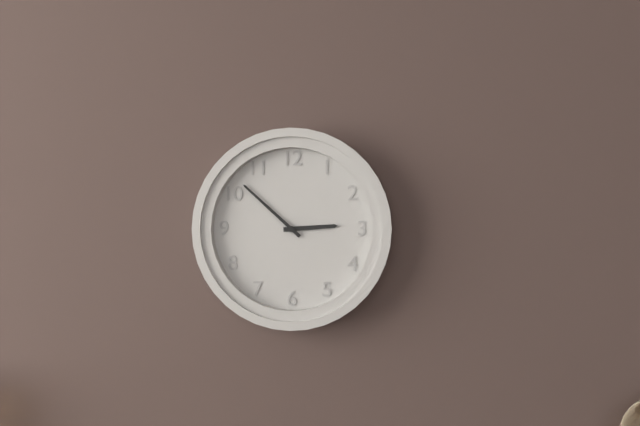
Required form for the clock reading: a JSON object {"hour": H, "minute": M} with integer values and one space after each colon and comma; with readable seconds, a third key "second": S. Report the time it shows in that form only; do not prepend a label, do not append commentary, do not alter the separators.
{"hour": 2, "minute": 52}
